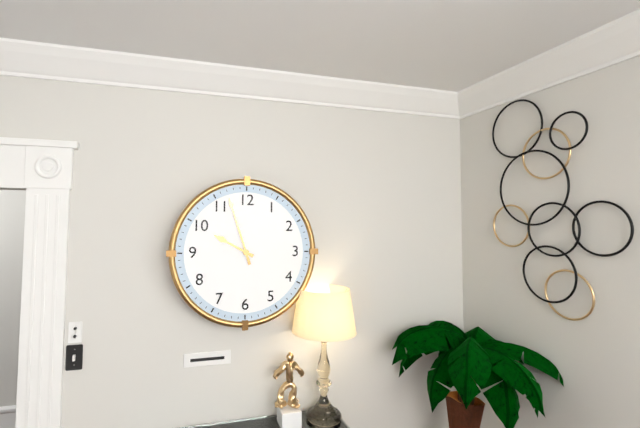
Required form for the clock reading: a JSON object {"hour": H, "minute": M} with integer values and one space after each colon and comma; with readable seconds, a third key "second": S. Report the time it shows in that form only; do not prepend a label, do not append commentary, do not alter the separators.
{"hour": 9, "minute": 57}
